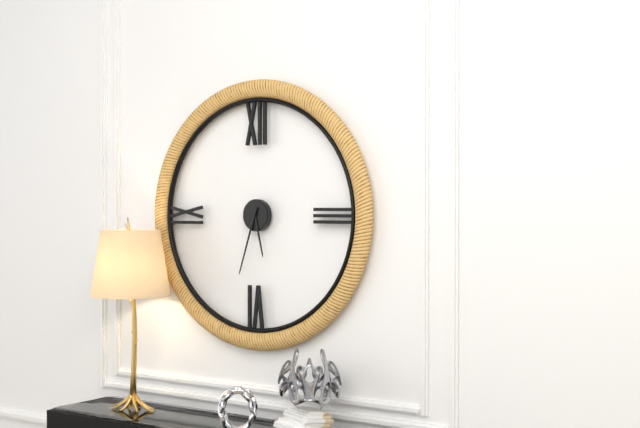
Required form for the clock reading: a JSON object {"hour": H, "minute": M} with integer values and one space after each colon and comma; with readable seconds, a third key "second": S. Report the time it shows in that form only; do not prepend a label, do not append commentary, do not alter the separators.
{"hour": 5, "minute": 33}
